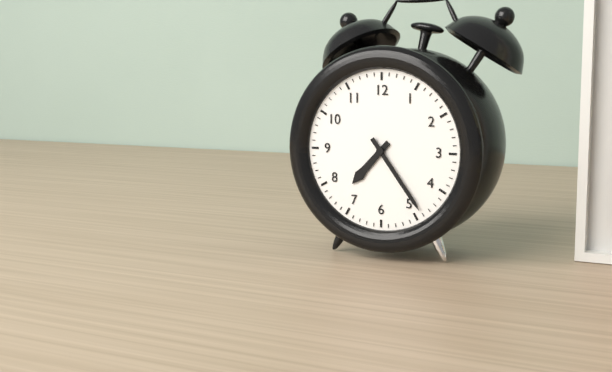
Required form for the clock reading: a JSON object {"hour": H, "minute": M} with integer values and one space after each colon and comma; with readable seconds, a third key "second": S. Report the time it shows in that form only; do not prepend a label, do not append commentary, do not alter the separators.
{"hour": 7, "minute": 24}
